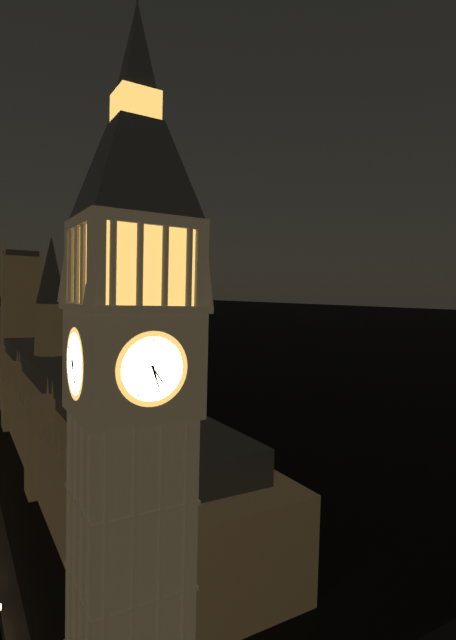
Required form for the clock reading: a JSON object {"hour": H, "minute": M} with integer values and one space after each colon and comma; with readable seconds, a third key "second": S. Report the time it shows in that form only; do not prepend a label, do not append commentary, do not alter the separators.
{"hour": 5, "minute": 24}
